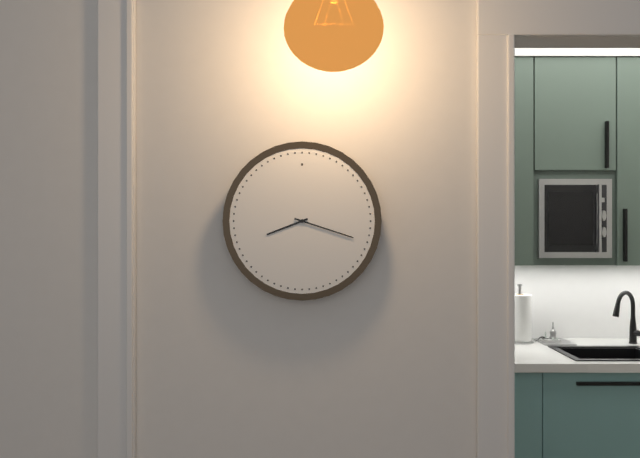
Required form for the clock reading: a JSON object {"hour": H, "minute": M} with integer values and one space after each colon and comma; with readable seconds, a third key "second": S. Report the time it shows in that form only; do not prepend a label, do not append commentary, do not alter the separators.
{"hour": 8, "minute": 18}
